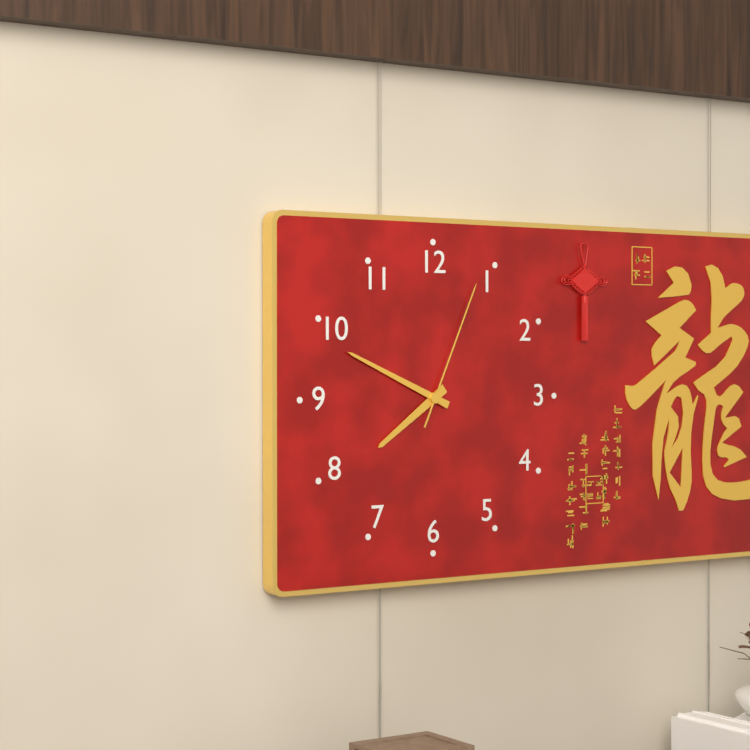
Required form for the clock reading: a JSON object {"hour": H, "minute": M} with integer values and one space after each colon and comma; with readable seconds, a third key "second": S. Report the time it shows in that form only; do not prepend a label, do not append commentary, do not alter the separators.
{"hour": 7, "minute": 49, "second": 4}
